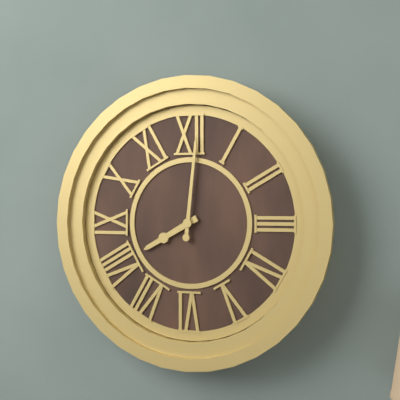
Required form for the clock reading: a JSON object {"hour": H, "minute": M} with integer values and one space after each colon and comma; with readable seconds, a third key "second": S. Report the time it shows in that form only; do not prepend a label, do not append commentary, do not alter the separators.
{"hour": 8, "minute": 1}
